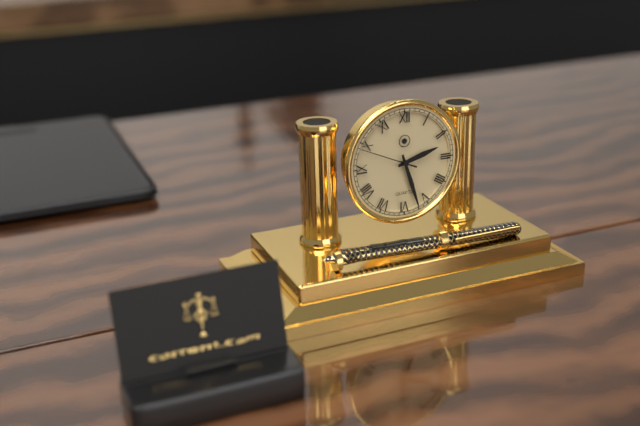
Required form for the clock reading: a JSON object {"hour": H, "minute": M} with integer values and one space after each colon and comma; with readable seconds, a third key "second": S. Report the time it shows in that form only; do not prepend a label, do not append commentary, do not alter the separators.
{"hour": 2, "minute": 27, "second": 49}
